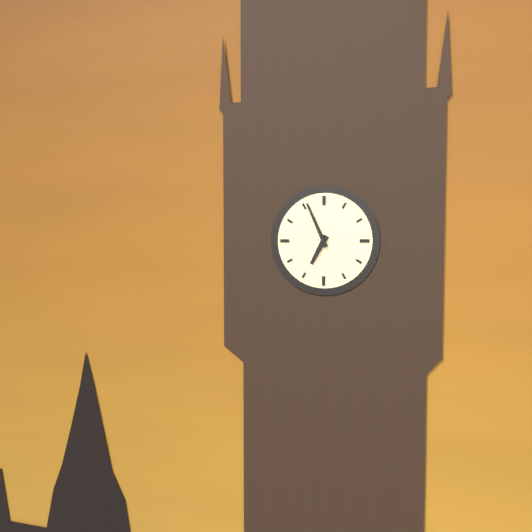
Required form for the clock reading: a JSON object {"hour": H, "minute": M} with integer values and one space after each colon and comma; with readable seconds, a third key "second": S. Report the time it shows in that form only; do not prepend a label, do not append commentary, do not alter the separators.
{"hour": 6, "minute": 56}
